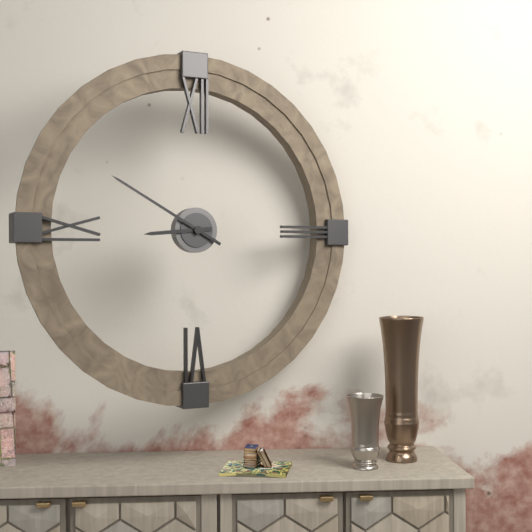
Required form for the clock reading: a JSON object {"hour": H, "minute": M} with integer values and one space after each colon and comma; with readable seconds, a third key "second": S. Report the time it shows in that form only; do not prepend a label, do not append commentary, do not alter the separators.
{"hour": 8, "minute": 50}
